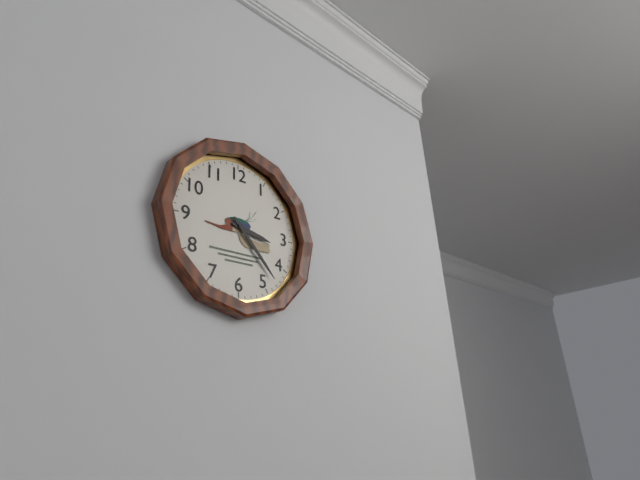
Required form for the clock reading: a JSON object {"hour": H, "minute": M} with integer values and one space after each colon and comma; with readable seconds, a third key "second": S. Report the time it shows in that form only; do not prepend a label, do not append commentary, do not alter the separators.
{"hour": 3, "minute": 23}
